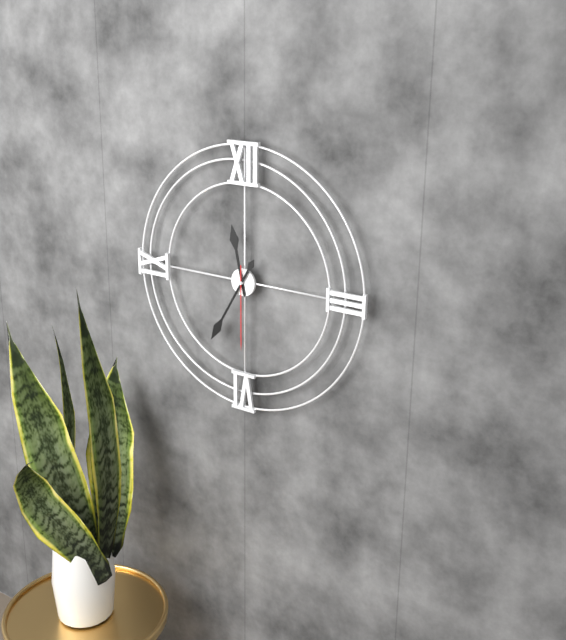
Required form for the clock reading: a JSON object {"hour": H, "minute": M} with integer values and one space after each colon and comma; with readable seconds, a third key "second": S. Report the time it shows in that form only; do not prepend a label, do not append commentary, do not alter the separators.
{"hour": 11, "minute": 35, "second": 30}
